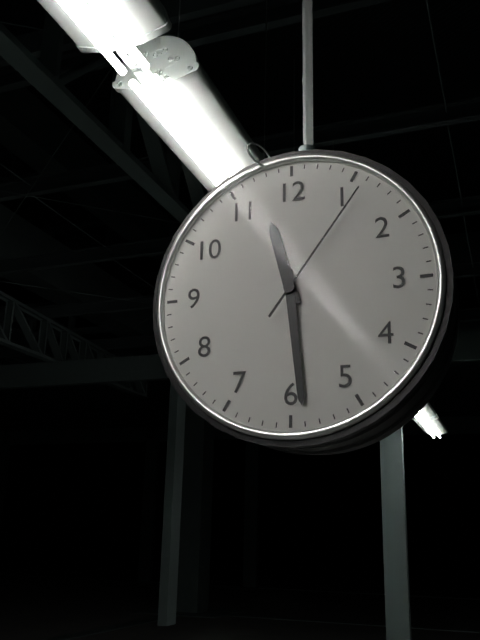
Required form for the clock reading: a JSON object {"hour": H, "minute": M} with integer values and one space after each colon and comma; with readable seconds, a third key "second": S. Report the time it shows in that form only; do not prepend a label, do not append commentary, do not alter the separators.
{"hour": 11, "minute": 29, "second": 6}
